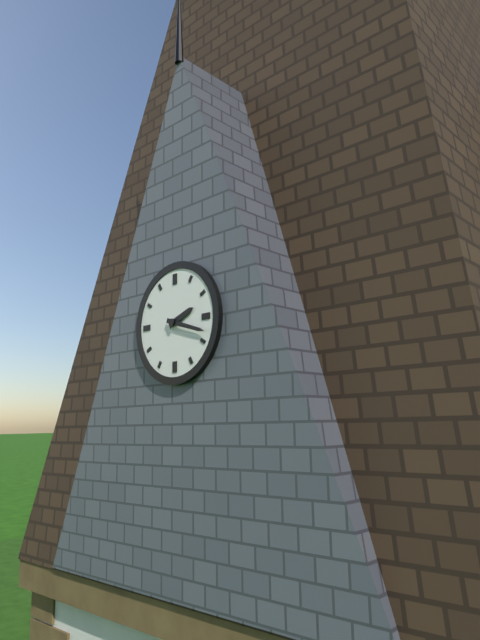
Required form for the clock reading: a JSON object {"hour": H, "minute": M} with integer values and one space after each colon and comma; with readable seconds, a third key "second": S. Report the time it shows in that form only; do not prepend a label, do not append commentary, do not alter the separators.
{"hour": 2, "minute": 18}
